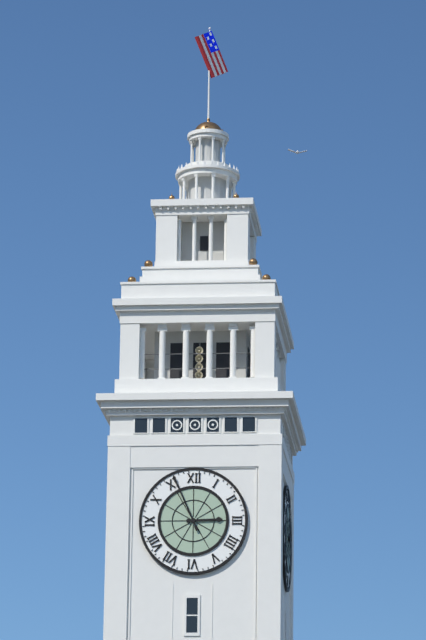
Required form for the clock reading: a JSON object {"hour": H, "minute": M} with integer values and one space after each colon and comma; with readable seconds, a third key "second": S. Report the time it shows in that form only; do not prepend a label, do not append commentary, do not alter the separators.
{"hour": 2, "minute": 56}
